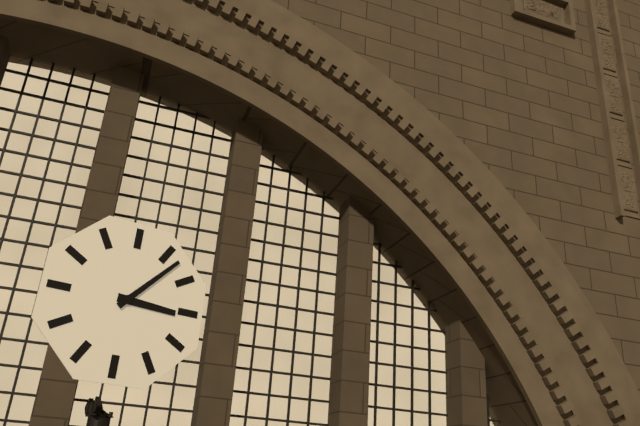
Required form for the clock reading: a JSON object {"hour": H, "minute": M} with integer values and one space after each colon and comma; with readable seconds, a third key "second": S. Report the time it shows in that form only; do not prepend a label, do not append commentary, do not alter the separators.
{"hour": 3, "minute": 7}
